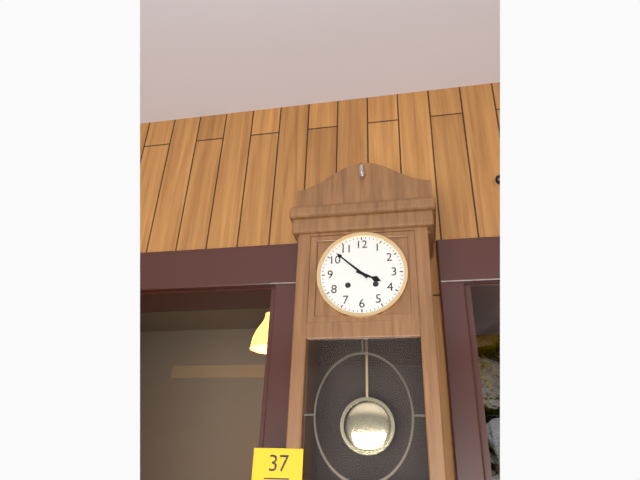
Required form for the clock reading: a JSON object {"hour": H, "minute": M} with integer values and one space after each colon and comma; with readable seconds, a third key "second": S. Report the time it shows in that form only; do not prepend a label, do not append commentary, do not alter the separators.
{"hour": 3, "minute": 52}
